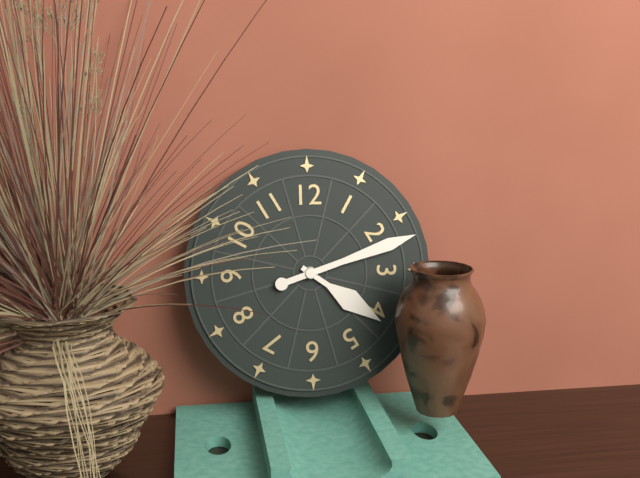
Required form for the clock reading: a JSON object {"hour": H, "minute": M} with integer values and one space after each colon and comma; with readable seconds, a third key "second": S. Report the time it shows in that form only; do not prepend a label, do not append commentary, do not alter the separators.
{"hour": 4, "minute": 12}
